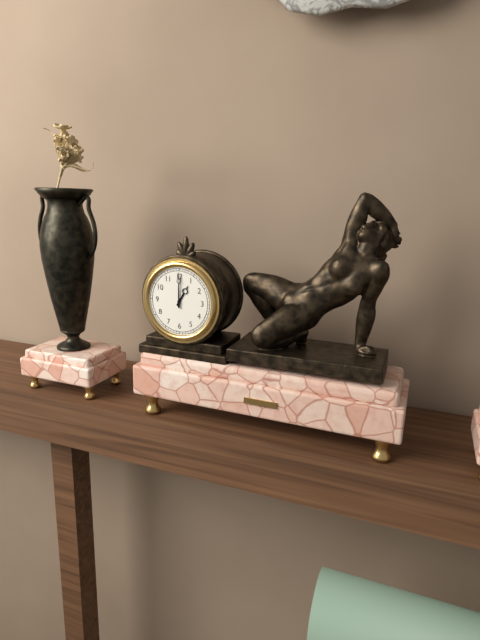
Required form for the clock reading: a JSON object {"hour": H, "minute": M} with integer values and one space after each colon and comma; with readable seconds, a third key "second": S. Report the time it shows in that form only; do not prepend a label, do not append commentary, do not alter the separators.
{"hour": 1, "minute": 0}
